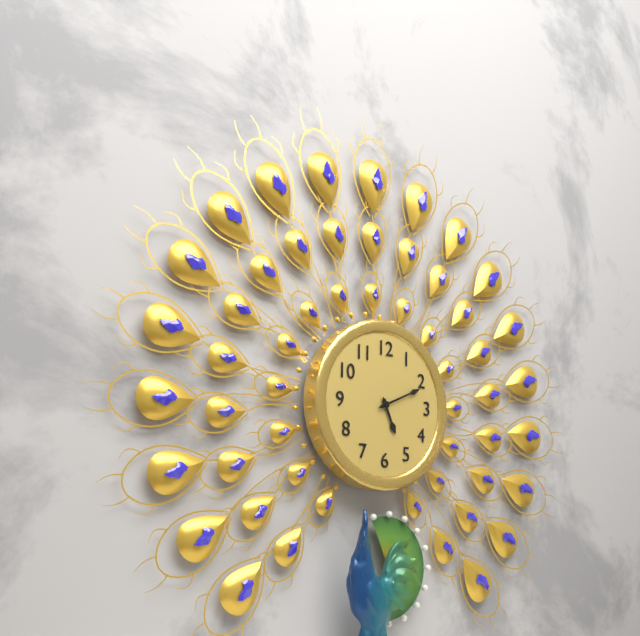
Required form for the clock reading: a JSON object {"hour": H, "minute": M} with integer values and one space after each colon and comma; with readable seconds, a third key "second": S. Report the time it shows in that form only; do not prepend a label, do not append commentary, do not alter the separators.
{"hour": 5, "minute": 11}
